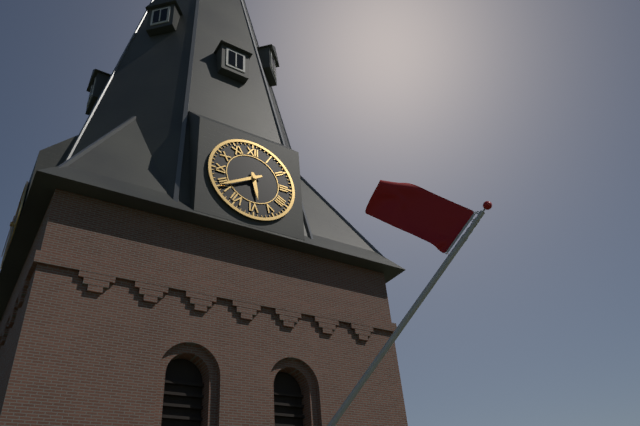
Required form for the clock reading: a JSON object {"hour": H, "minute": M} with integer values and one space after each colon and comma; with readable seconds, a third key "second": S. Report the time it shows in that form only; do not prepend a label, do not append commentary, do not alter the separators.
{"hour": 5, "minute": 40}
